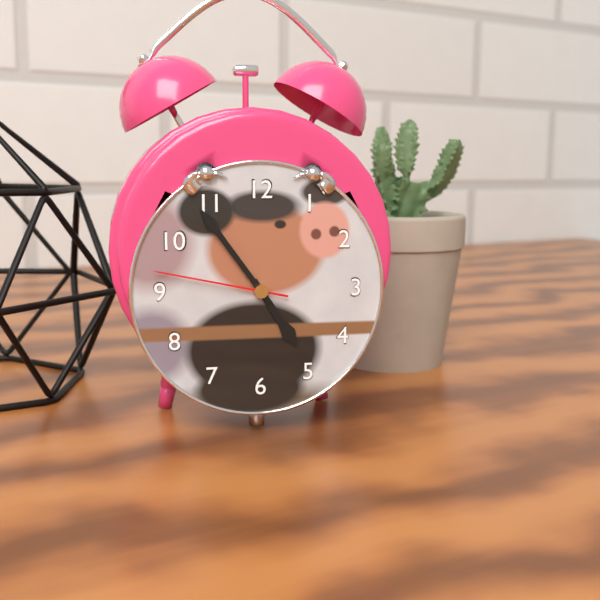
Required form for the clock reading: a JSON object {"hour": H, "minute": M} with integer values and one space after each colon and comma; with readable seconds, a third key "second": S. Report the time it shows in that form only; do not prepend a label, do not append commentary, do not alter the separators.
{"hour": 4, "minute": 54, "second": 47}
